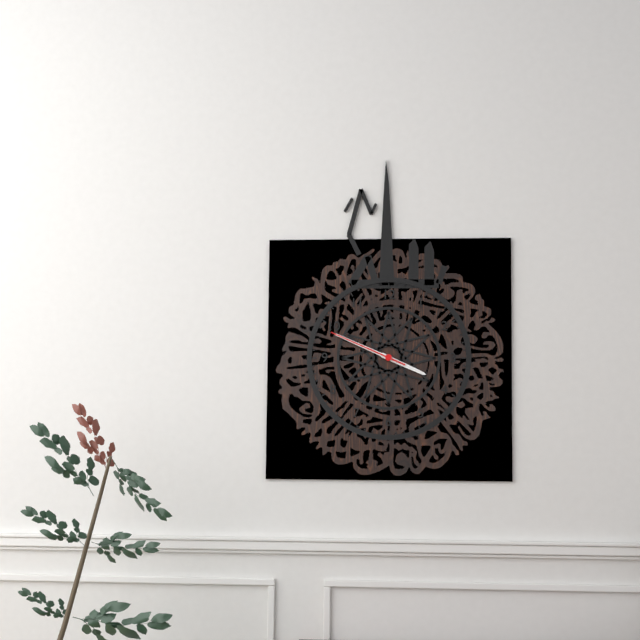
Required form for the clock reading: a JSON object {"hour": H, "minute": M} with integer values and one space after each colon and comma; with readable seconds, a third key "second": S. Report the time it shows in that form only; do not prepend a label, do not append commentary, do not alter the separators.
{"hour": 3, "minute": 49, "second": 49}
